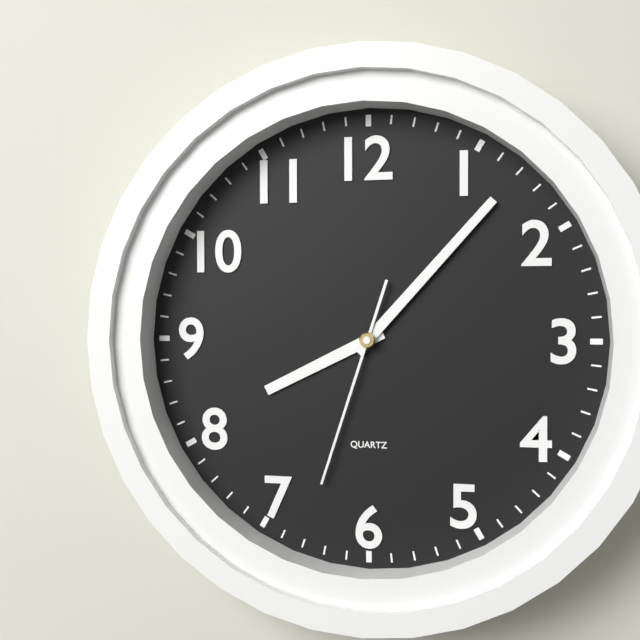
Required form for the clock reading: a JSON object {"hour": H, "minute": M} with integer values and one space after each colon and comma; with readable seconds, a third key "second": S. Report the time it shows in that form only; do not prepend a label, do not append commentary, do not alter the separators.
{"hour": 8, "minute": 7, "second": 33}
